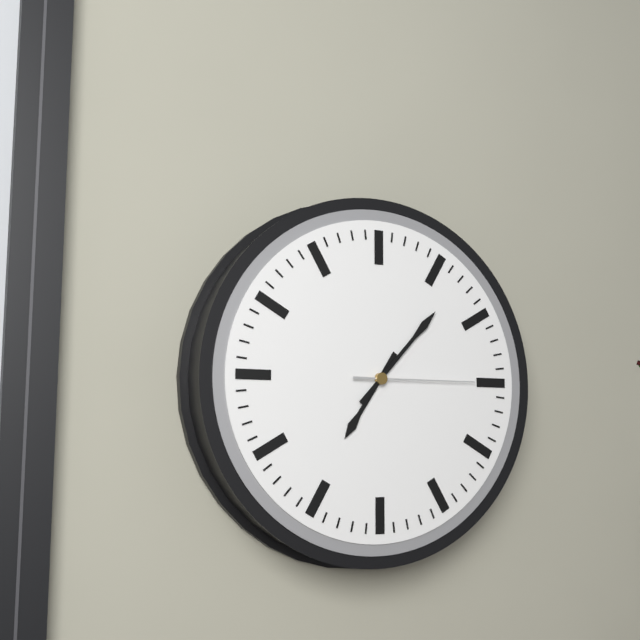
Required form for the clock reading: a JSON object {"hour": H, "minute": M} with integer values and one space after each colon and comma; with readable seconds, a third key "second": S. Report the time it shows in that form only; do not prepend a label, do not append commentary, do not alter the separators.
{"hour": 7, "minute": 7, "second": 15}
